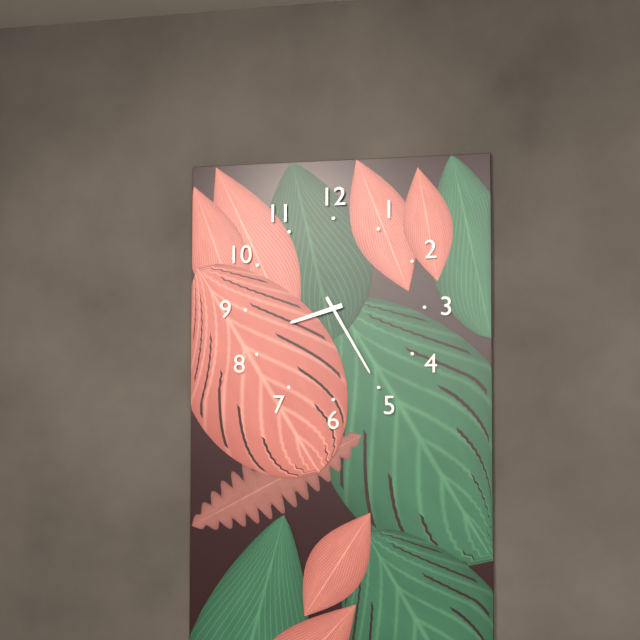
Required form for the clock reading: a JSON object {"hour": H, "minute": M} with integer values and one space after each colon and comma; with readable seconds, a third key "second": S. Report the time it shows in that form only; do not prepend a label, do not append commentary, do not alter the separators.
{"hour": 8, "minute": 25}
